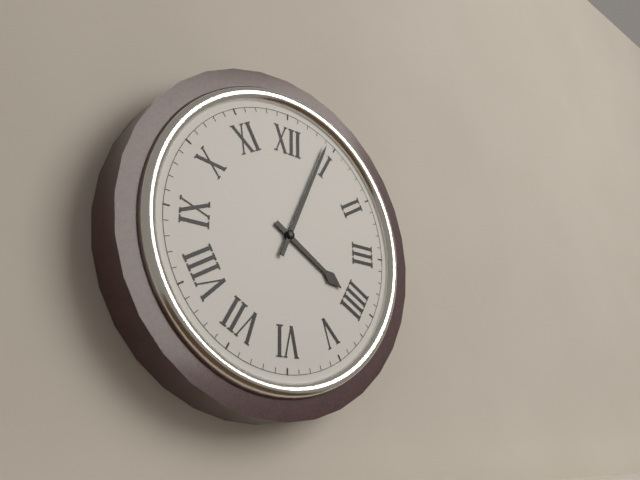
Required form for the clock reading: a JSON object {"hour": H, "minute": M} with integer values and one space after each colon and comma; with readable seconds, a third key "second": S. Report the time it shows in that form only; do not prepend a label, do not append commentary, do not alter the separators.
{"hour": 4, "minute": 4}
